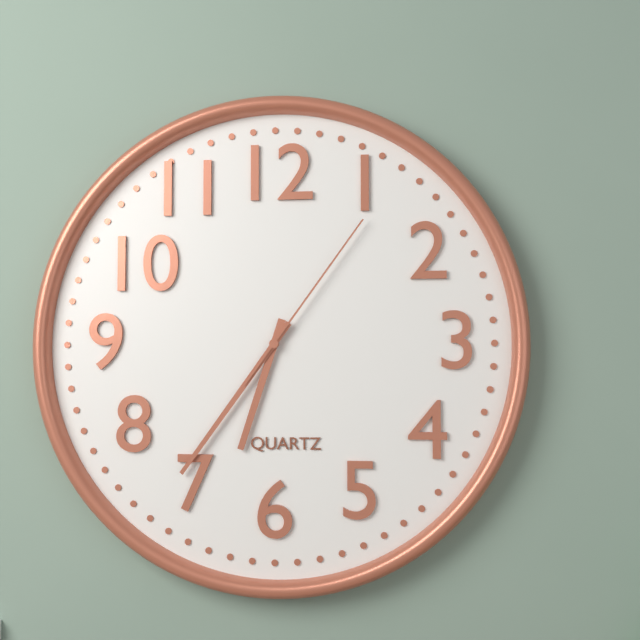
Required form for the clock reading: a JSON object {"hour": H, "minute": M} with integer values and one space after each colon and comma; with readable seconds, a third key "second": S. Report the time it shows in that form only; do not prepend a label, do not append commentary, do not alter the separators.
{"hour": 6, "minute": 36, "second": 6}
